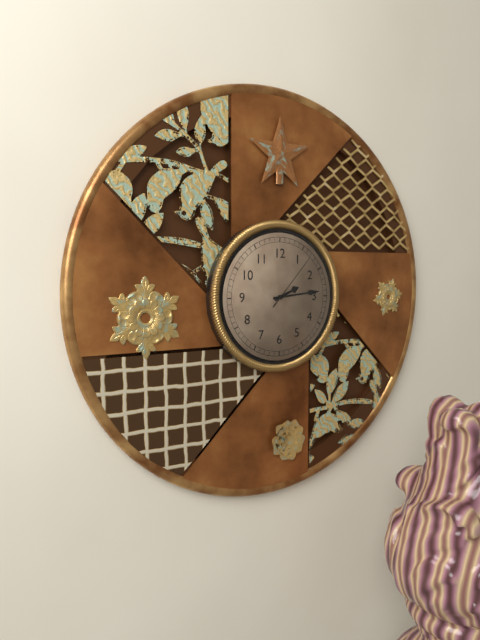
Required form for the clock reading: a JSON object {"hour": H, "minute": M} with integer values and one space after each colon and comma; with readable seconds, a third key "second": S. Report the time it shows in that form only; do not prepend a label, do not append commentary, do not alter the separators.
{"hour": 2, "minute": 14, "second": 7}
